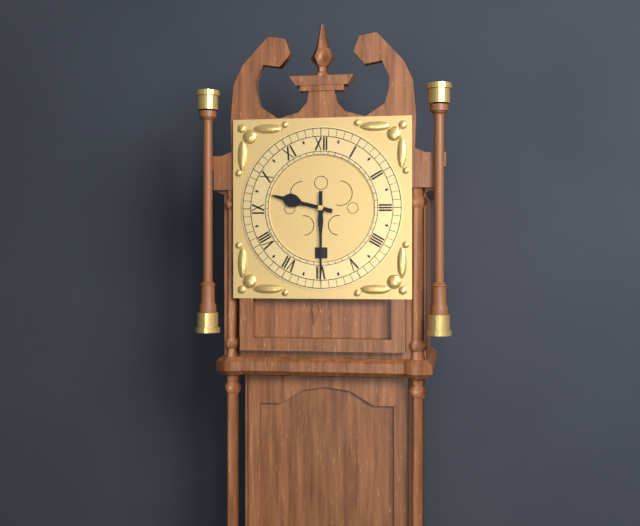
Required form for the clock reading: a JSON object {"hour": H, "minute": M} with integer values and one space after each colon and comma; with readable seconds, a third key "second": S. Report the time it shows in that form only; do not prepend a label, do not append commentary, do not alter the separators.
{"hour": 9, "minute": 30}
